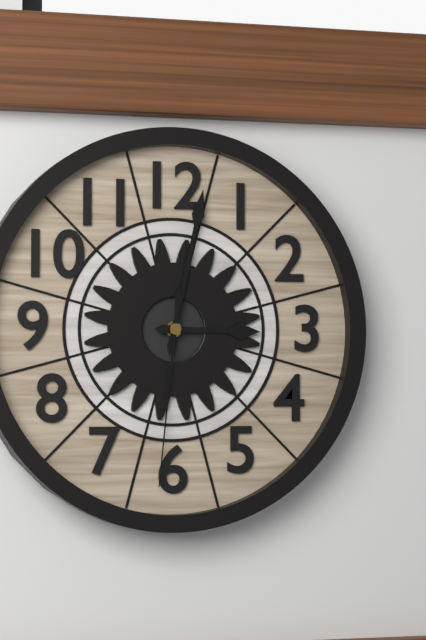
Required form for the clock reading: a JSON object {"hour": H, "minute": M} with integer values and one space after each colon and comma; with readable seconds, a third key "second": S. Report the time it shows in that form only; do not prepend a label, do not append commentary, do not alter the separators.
{"hour": 3, "minute": 2, "second": 31}
